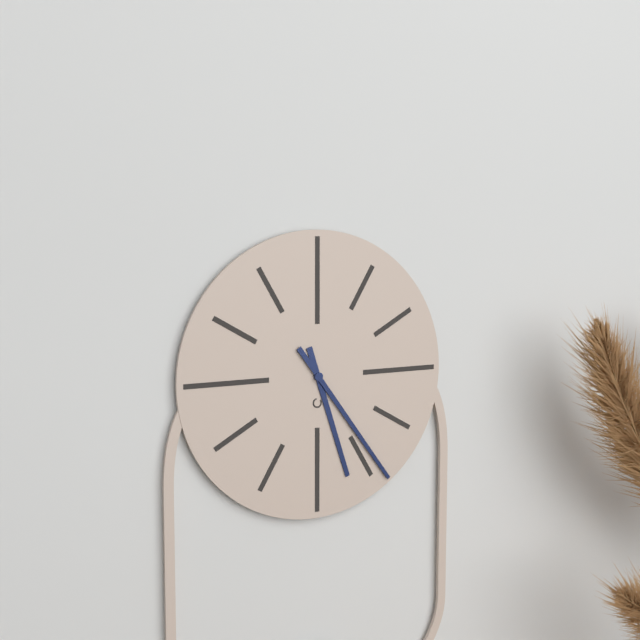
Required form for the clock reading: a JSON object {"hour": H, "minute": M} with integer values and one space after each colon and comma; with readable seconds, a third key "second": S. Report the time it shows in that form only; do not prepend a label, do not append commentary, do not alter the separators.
{"hour": 5, "minute": 24}
